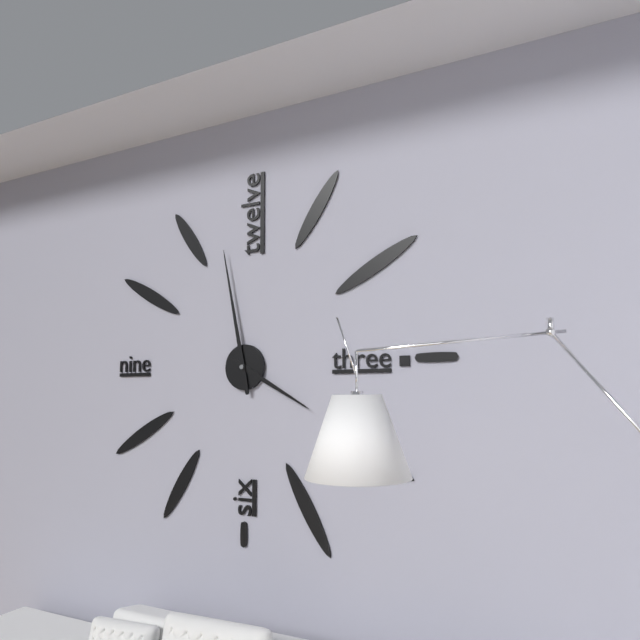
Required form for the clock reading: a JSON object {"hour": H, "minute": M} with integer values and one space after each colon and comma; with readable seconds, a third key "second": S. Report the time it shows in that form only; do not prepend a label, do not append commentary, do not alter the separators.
{"hour": 3, "minute": 58}
